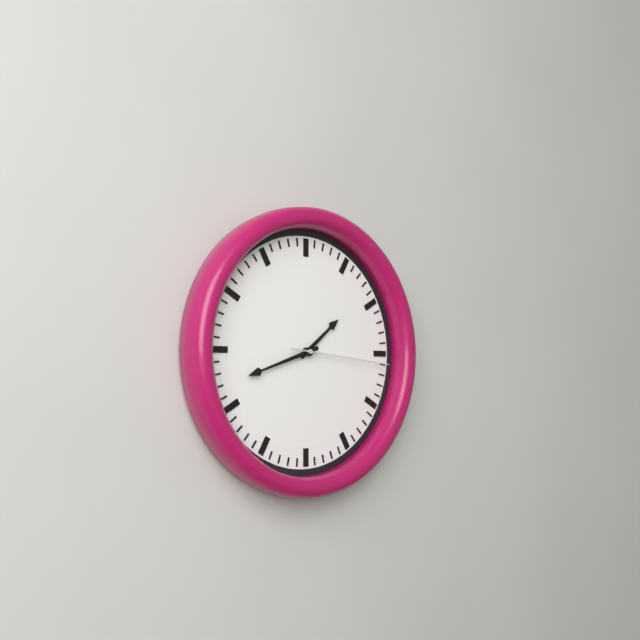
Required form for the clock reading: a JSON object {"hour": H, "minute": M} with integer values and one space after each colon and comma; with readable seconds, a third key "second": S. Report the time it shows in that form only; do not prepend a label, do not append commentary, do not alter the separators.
{"hour": 1, "minute": 42, "second": 16}
